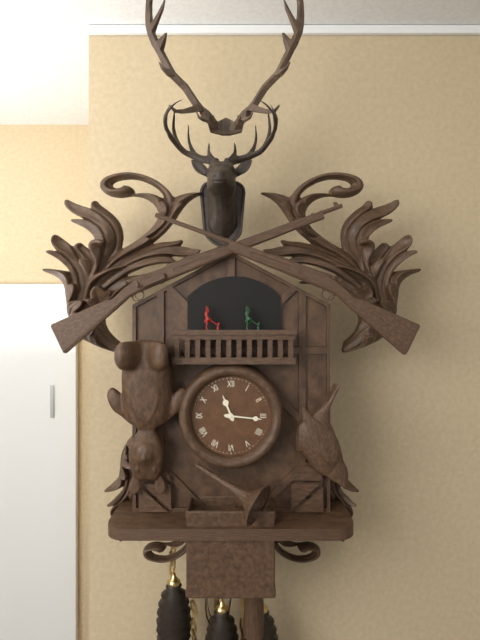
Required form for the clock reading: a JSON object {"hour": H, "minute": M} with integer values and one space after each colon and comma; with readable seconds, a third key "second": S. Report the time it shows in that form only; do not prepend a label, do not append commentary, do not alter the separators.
{"hour": 11, "minute": 16}
